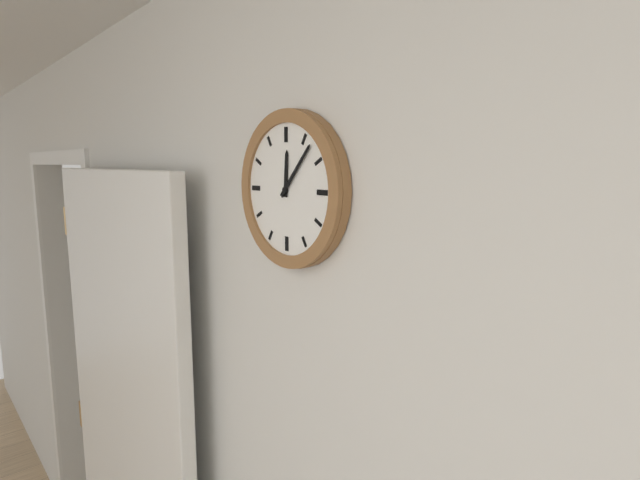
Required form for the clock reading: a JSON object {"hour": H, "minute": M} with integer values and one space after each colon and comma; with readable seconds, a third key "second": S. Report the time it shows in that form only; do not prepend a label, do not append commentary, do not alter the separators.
{"hour": 12, "minute": 7}
